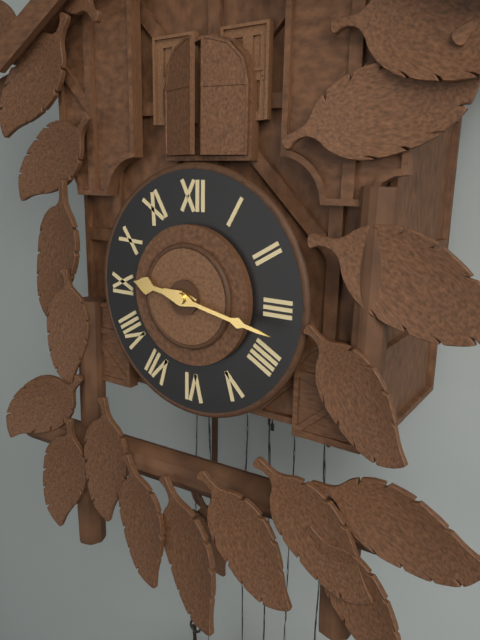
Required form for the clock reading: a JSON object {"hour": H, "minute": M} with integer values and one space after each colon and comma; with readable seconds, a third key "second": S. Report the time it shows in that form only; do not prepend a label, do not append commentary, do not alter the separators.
{"hour": 9, "minute": 17}
